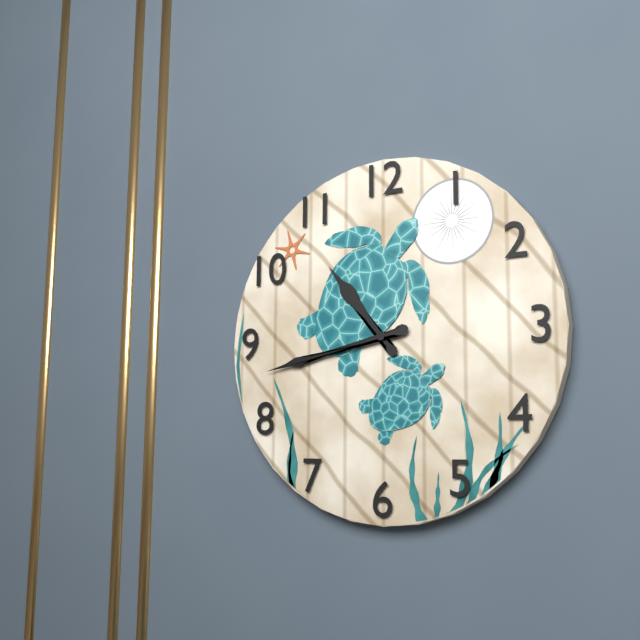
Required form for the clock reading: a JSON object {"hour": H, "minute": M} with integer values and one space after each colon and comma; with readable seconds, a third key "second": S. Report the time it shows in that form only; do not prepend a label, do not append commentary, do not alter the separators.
{"hour": 10, "minute": 43}
